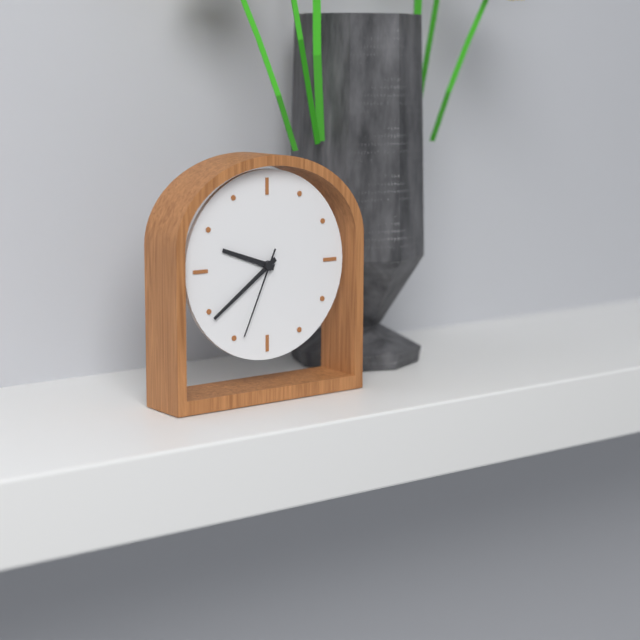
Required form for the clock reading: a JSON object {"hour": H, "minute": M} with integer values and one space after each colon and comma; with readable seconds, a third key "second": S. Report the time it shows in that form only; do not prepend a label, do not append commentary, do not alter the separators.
{"hour": 9, "minute": 39, "second": 34}
